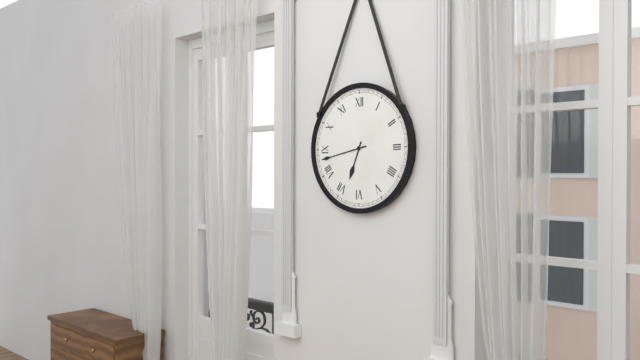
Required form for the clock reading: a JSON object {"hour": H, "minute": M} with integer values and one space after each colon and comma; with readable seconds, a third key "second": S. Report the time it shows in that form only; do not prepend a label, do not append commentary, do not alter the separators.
{"hour": 6, "minute": 43}
